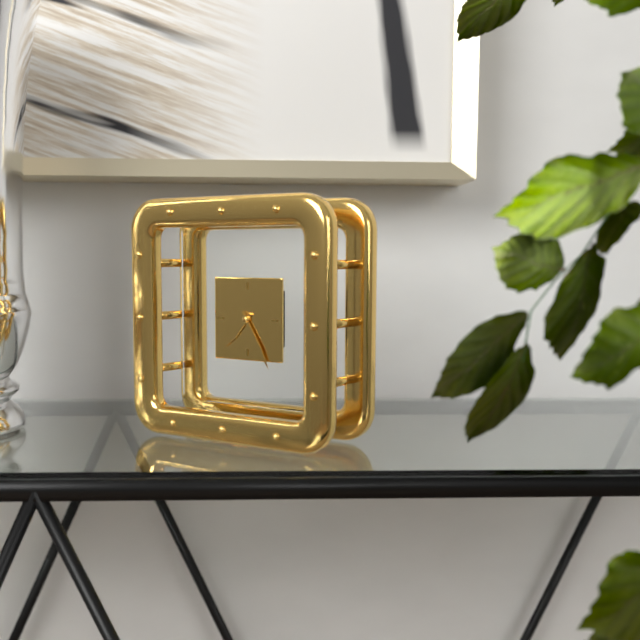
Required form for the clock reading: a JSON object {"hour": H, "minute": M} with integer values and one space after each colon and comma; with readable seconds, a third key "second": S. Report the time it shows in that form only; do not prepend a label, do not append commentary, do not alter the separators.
{"hour": 7, "minute": 25}
